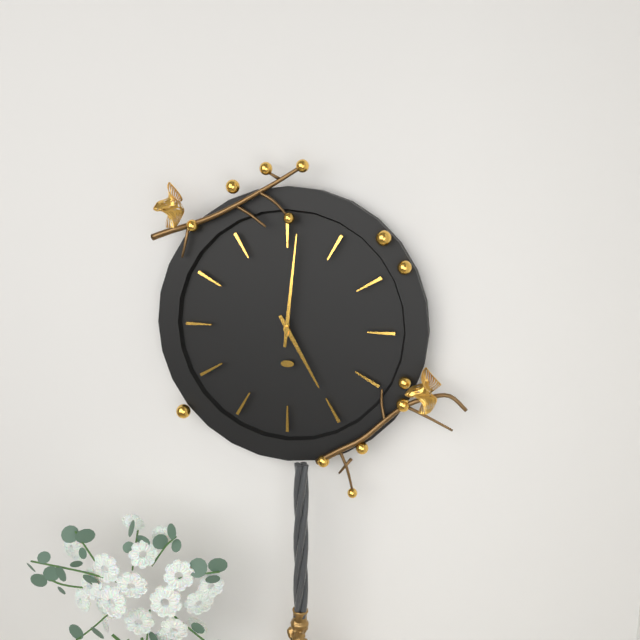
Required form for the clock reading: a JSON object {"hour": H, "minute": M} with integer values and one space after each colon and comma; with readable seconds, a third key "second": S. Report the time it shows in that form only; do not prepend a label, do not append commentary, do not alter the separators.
{"hour": 5, "minute": 1}
